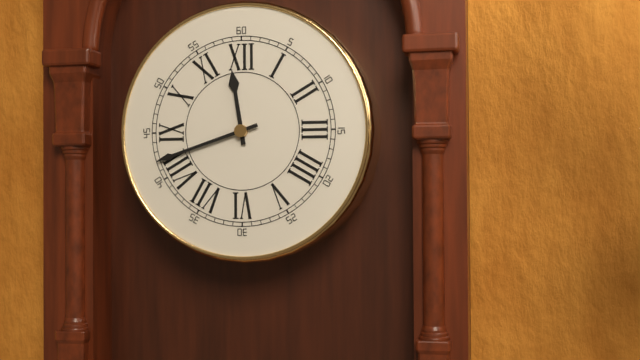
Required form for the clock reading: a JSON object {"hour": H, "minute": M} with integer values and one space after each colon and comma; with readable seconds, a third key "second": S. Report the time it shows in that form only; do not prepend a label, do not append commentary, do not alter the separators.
{"hour": 11, "minute": 42}
